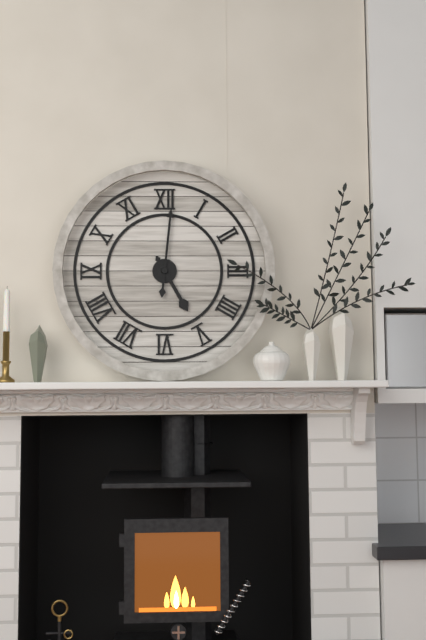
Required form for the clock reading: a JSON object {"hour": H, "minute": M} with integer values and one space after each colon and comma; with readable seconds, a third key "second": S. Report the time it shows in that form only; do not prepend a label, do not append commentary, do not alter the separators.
{"hour": 5, "minute": 1}
